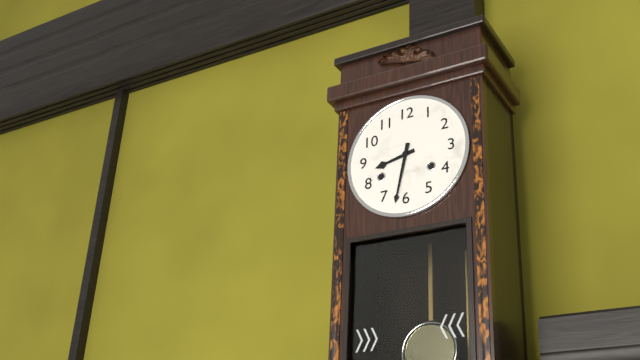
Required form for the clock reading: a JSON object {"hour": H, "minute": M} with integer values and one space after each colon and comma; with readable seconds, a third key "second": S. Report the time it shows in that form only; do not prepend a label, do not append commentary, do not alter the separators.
{"hour": 8, "minute": 32}
